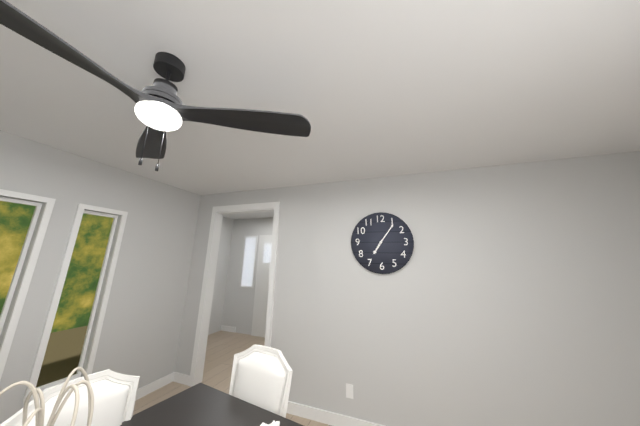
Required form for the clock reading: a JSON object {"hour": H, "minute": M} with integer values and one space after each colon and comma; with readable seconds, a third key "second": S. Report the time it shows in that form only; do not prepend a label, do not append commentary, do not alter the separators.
{"hour": 7, "minute": 6}
